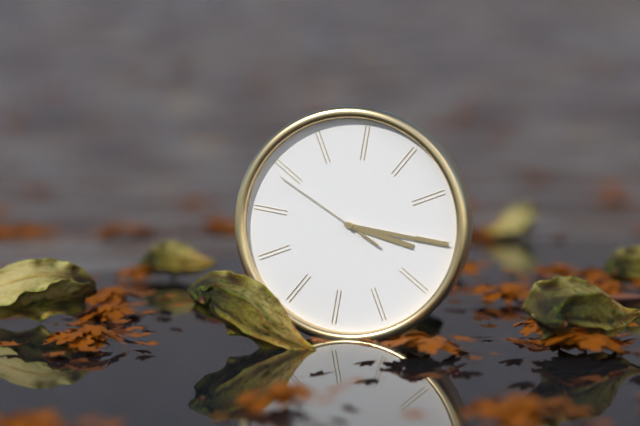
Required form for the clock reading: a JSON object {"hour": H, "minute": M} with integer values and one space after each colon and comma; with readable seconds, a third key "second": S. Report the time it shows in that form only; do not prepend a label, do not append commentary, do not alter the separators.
{"hour": 3, "minute": 15, "second": 49}
